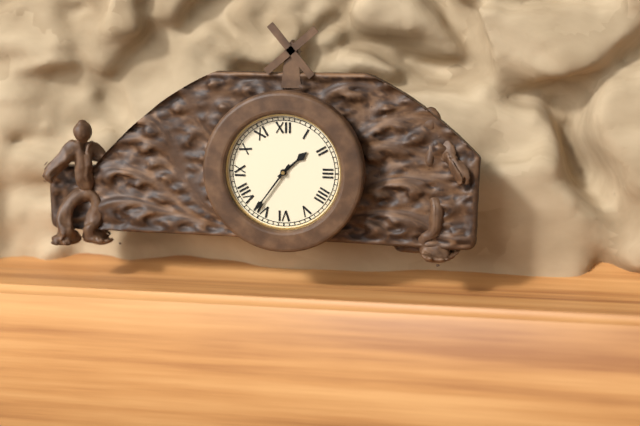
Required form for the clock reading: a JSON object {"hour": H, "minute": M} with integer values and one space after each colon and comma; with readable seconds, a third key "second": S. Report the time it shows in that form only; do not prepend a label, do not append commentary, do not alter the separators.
{"hour": 1, "minute": 36}
